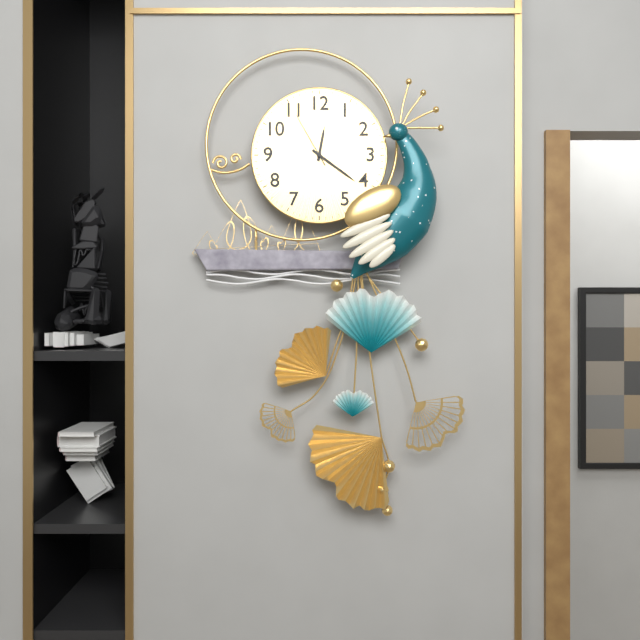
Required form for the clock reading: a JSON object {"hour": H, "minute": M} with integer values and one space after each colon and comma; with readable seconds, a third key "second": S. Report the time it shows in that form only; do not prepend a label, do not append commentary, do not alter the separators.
{"hour": 12, "minute": 21, "second": 55}
